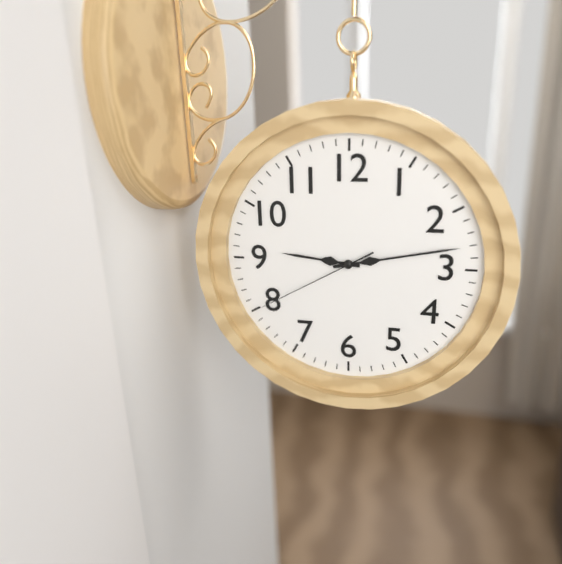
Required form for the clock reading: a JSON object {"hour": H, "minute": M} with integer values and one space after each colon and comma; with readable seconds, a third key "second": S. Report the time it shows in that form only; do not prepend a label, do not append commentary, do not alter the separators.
{"hour": 9, "minute": 13, "second": 40}
